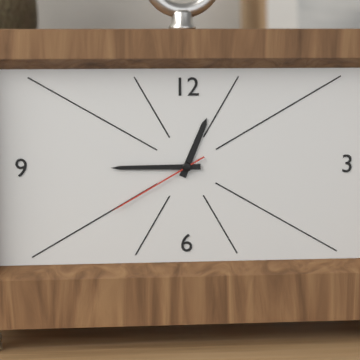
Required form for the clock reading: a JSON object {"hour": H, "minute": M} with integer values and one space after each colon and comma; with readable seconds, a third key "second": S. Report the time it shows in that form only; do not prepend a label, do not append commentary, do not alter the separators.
{"hour": 12, "minute": 45, "second": 40}
